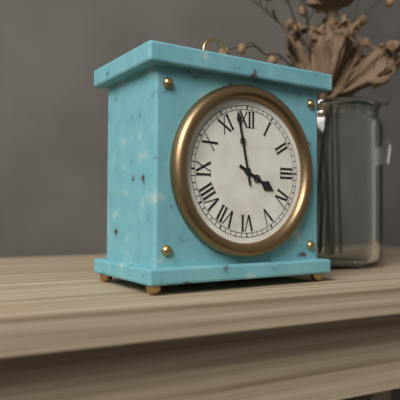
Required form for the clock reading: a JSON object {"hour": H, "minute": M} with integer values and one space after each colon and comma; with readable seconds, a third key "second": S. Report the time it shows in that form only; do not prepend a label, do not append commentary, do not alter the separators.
{"hour": 3, "minute": 58}
